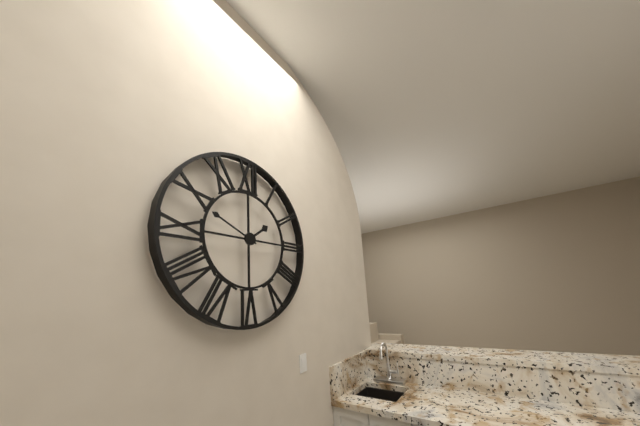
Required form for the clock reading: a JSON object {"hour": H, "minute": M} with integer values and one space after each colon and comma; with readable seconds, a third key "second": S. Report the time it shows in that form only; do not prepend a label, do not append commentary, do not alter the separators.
{"hour": 1, "minute": 49}
